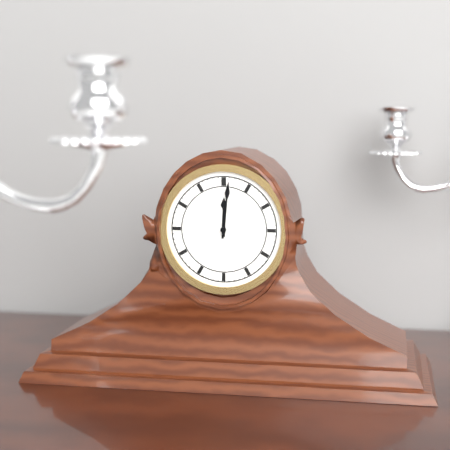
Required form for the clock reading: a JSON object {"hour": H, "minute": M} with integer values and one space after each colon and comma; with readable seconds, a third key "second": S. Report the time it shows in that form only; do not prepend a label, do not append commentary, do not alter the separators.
{"hour": 12, "minute": 1}
